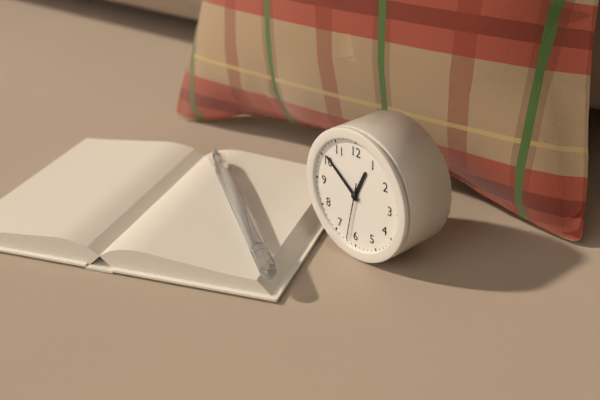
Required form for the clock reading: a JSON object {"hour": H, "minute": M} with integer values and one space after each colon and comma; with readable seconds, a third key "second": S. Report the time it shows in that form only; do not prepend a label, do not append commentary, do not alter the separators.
{"hour": 12, "minute": 51, "second": 32}
